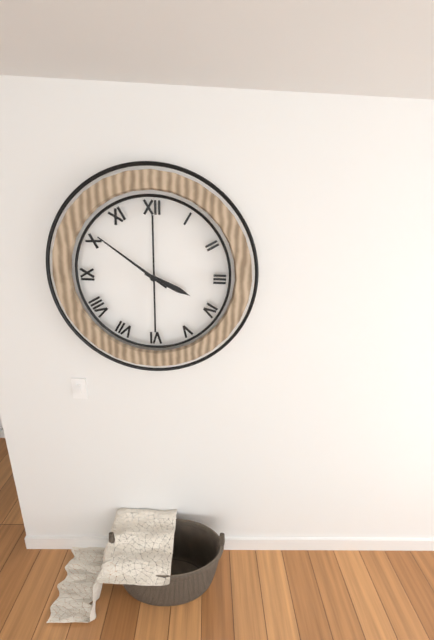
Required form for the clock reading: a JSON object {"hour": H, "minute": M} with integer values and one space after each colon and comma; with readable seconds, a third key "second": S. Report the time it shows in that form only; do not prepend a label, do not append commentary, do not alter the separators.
{"hour": 3, "minute": 51}
